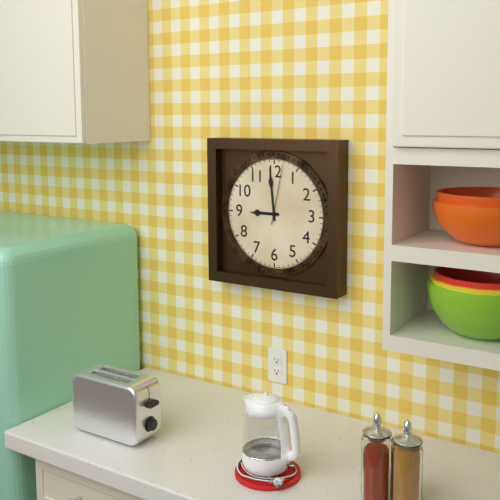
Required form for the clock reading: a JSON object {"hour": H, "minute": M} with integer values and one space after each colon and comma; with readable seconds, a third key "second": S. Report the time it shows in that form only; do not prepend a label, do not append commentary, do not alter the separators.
{"hour": 8, "minute": 59, "second": 2}
